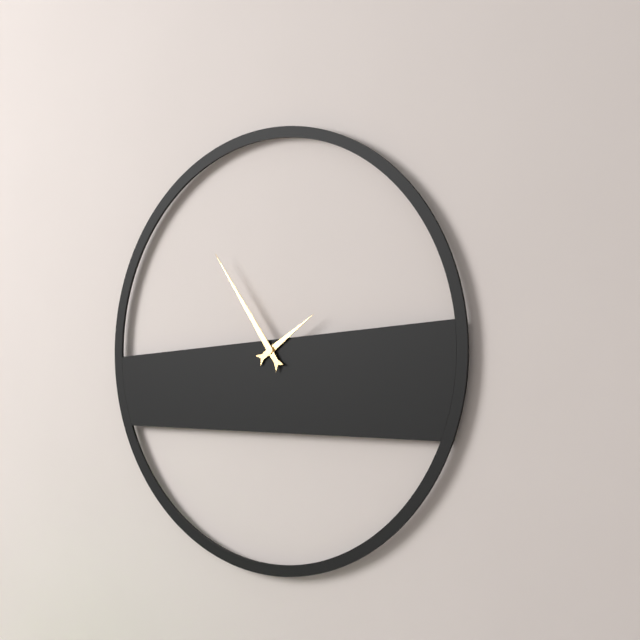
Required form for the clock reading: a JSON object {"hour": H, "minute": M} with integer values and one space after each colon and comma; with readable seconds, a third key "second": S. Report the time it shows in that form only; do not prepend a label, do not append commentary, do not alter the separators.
{"hour": 1, "minute": 54}
